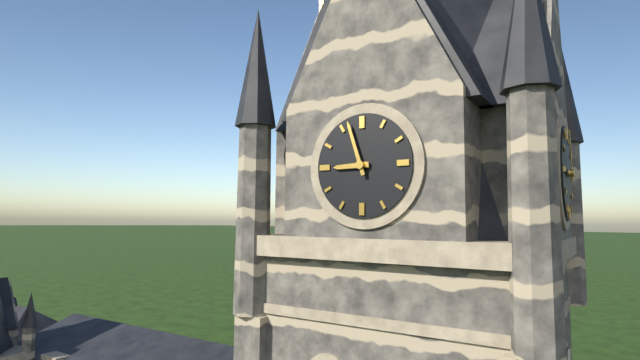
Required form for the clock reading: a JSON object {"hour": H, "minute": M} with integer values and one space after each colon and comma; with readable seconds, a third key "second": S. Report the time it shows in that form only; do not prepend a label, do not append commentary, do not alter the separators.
{"hour": 8, "minute": 57}
